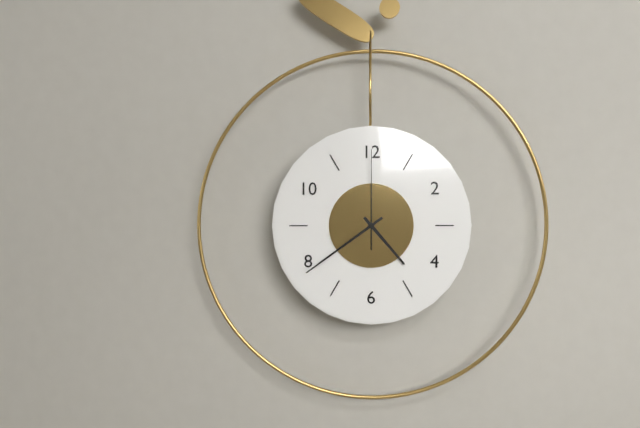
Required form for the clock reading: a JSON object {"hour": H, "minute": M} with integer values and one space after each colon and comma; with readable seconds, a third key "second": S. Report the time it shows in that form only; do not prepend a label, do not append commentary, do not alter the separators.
{"hour": 4, "minute": 39, "second": 0}
